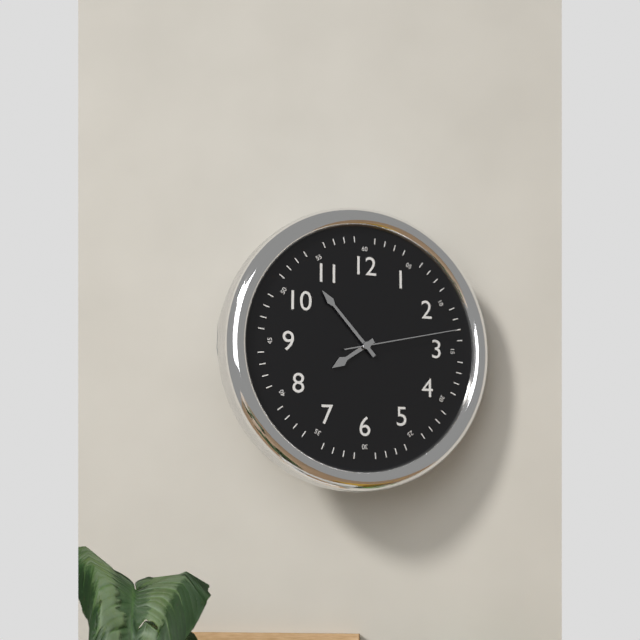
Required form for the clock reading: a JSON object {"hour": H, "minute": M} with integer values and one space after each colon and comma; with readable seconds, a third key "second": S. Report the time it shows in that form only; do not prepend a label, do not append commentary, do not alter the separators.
{"hour": 7, "minute": 53, "second": 13}
